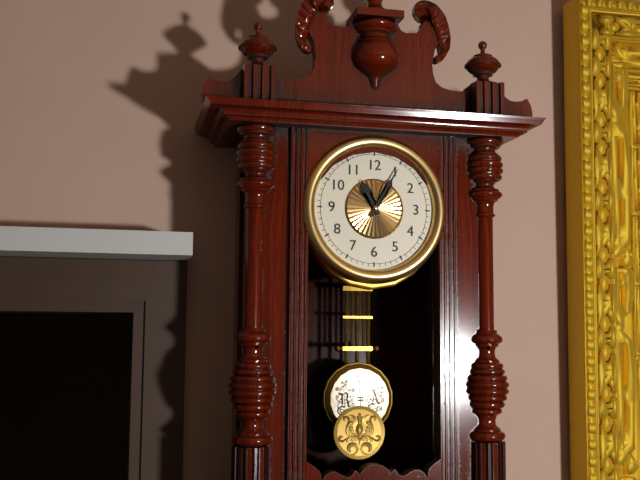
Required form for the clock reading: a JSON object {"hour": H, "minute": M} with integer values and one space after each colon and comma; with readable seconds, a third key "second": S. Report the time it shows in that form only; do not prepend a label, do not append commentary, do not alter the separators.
{"hour": 11, "minute": 5}
